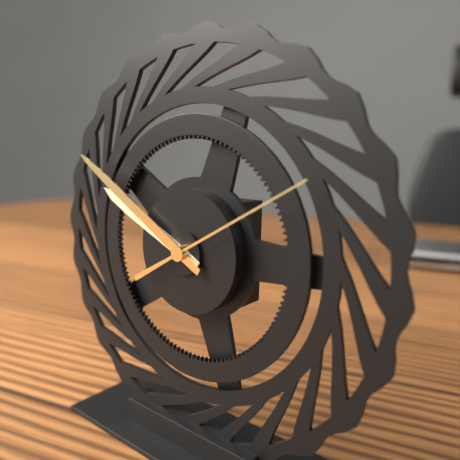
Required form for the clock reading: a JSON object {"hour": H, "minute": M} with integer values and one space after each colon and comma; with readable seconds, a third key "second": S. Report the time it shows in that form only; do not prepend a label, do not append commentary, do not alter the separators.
{"hour": 9, "minute": 50, "second": 10}
